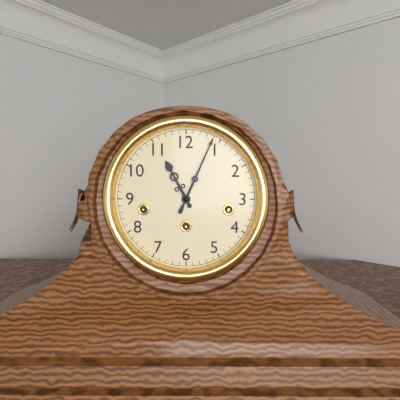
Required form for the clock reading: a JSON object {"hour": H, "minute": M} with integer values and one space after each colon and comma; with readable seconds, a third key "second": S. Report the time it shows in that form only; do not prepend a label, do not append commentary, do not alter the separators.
{"hour": 11, "minute": 4}
